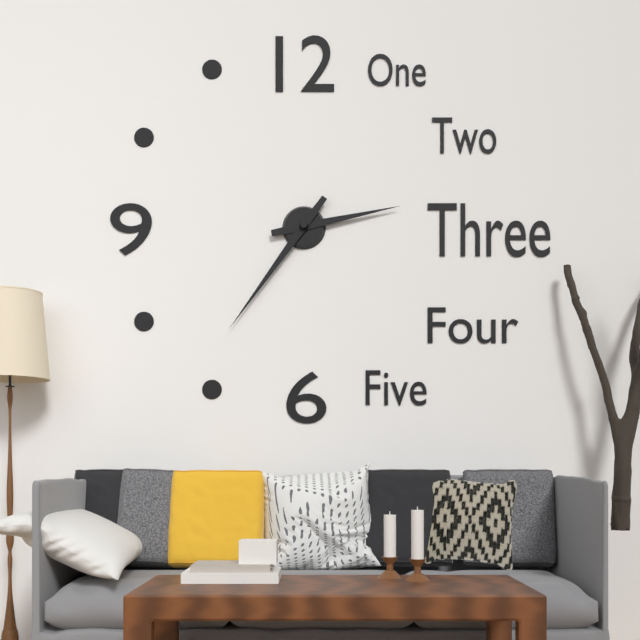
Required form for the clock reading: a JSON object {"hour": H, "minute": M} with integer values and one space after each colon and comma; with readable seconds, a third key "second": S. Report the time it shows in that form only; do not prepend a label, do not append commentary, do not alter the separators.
{"hour": 2, "minute": 36}
